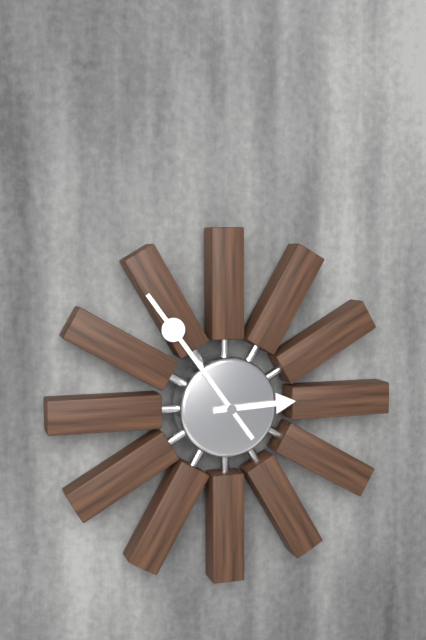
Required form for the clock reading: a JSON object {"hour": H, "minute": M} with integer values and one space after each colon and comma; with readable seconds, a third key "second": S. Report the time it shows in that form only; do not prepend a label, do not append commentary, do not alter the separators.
{"hour": 2, "minute": 54}
